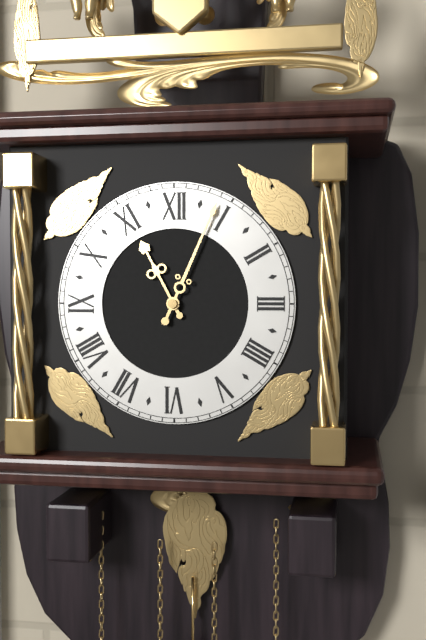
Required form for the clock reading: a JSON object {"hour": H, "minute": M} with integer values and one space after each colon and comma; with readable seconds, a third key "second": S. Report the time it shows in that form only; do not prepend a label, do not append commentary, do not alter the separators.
{"hour": 11, "minute": 4}
